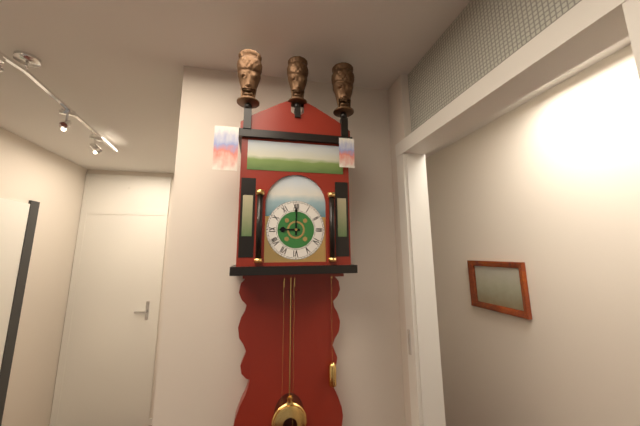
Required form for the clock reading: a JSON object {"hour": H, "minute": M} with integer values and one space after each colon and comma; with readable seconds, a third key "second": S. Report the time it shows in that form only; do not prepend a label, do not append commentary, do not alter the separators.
{"hour": 9, "minute": 0}
